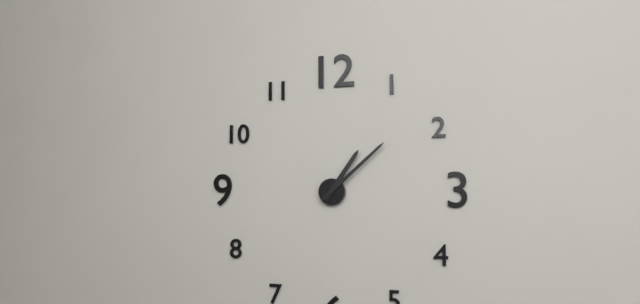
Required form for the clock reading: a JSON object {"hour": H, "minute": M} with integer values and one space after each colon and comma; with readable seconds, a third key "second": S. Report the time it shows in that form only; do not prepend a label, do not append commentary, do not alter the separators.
{"hour": 1, "minute": 8}
